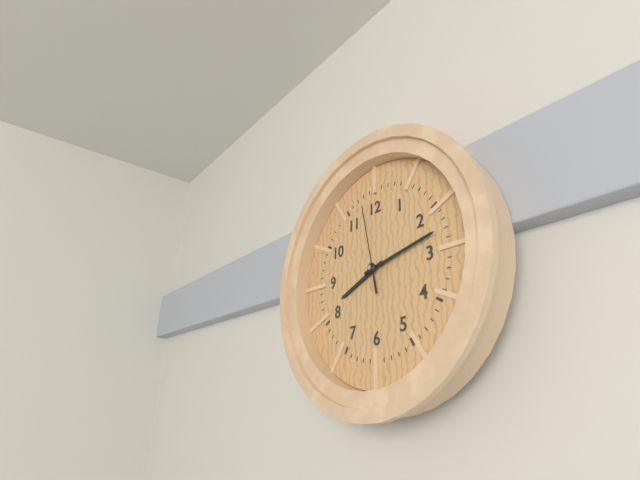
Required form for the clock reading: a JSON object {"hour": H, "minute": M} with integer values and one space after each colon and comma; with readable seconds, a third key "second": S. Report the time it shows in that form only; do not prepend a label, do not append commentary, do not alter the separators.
{"hour": 8, "minute": 13, "second": 58}
